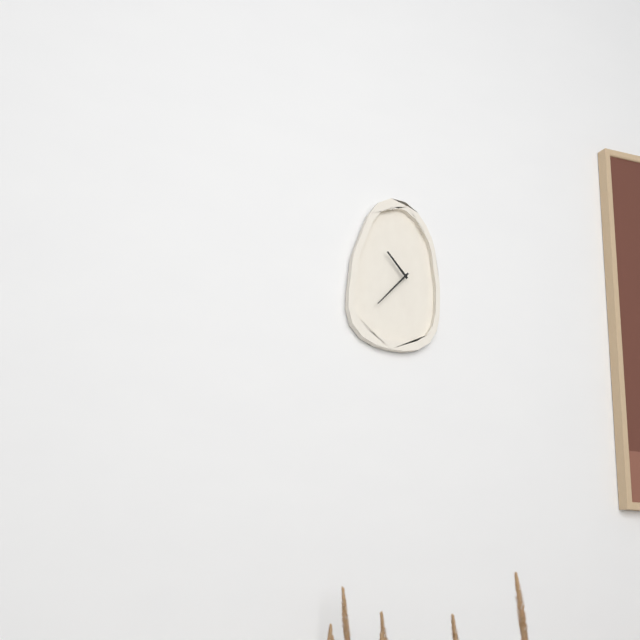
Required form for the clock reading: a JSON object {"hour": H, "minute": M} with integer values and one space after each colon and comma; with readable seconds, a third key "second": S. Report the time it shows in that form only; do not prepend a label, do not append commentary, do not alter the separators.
{"hour": 10, "minute": 37}
